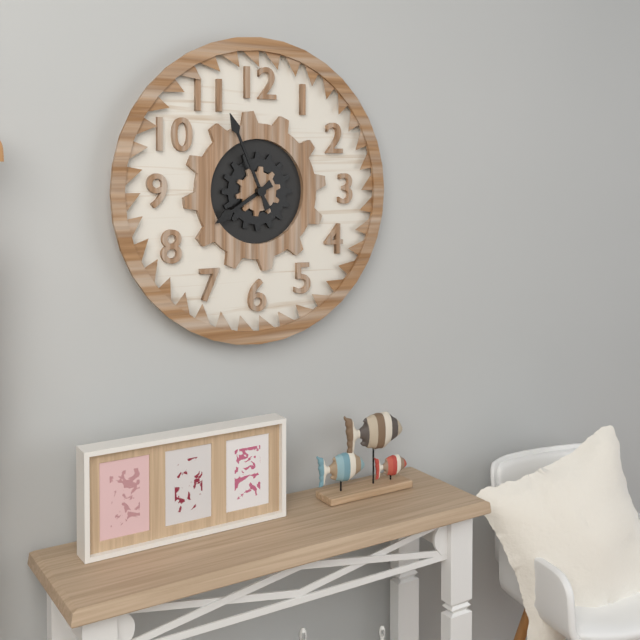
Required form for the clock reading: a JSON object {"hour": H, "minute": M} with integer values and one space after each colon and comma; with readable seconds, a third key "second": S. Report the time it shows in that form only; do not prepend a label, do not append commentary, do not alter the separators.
{"hour": 7, "minute": 56}
